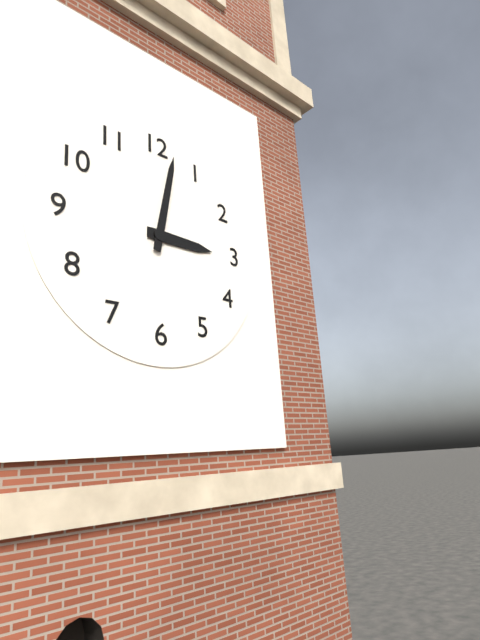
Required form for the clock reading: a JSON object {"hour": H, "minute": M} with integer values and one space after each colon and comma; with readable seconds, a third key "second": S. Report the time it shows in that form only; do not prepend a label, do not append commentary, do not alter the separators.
{"hour": 3, "minute": 2}
